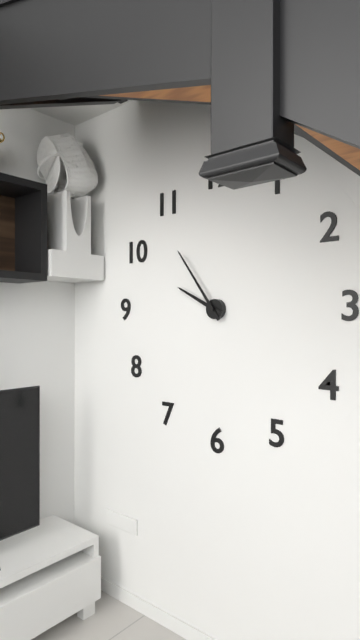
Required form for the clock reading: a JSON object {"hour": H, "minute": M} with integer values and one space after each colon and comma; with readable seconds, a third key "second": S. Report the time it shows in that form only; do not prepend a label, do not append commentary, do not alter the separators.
{"hour": 9, "minute": 54}
